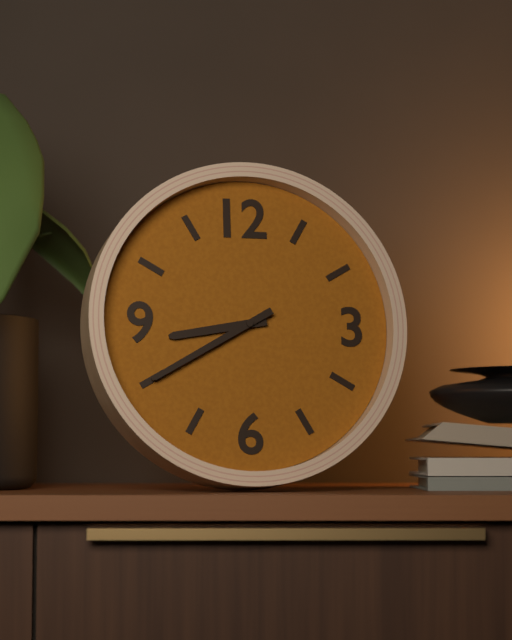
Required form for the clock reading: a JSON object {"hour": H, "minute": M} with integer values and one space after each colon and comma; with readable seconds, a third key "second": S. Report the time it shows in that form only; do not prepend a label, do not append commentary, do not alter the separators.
{"hour": 8, "minute": 40}
